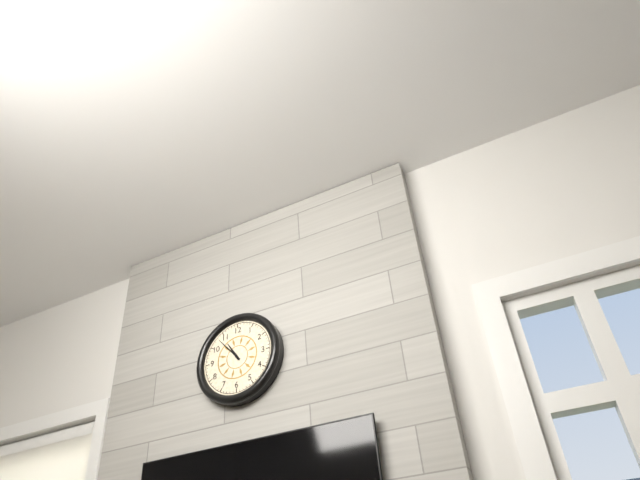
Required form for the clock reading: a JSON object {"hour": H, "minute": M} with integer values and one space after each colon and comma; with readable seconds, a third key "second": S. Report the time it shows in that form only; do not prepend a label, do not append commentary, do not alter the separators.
{"hour": 10, "minute": 53}
